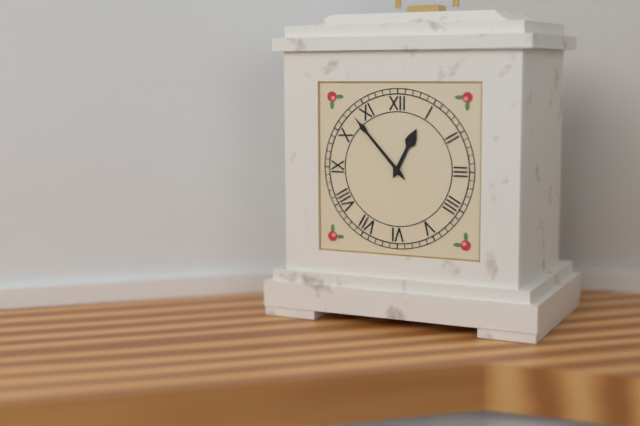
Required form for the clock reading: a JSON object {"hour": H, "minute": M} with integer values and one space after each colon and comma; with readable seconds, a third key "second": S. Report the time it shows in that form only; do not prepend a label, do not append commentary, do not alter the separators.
{"hour": 12, "minute": 53}
